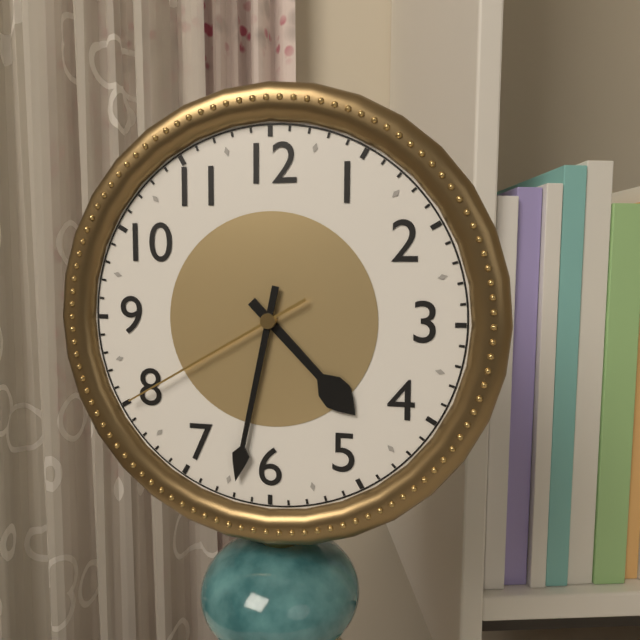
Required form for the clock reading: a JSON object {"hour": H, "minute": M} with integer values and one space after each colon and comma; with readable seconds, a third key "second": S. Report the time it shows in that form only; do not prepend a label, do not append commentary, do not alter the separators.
{"hour": 4, "minute": 32, "second": 40}
